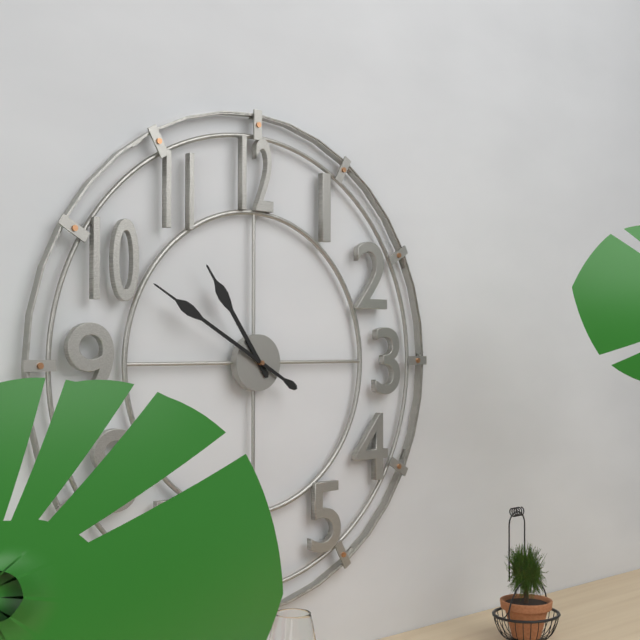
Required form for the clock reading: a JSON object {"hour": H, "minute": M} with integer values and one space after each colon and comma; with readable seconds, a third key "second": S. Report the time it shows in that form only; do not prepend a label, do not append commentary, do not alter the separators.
{"hour": 10, "minute": 50}
